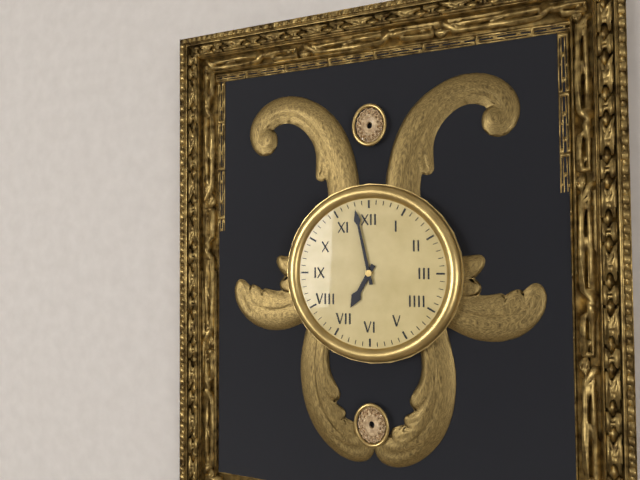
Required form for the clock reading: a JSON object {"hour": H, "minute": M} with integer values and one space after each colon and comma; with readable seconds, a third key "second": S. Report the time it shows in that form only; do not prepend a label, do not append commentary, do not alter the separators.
{"hour": 6, "minute": 58}
